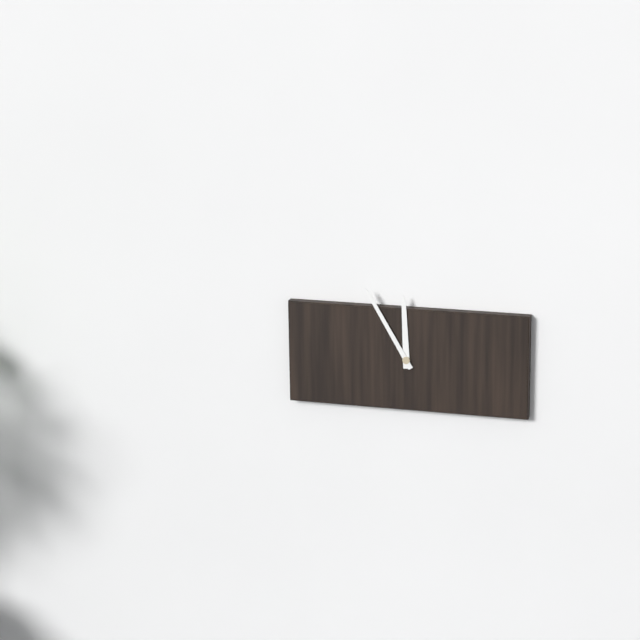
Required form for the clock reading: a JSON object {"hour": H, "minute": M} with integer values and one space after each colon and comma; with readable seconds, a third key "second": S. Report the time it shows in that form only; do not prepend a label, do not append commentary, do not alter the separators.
{"hour": 11, "minute": 55}
